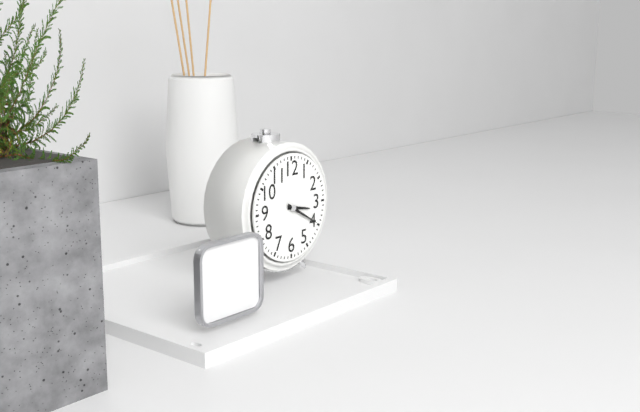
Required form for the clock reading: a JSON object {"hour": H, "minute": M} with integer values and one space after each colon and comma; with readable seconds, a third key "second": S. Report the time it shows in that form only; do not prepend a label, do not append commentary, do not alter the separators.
{"hour": 3, "minute": 20}
